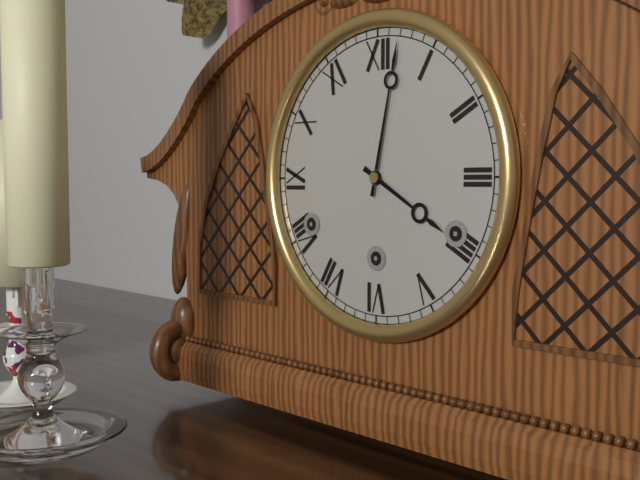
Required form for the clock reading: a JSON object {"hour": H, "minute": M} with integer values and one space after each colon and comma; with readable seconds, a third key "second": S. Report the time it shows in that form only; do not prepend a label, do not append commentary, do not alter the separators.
{"hour": 4, "minute": 2}
